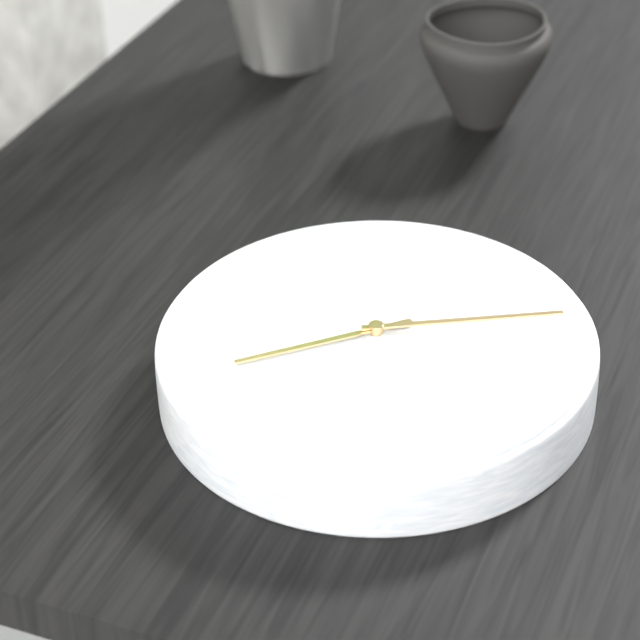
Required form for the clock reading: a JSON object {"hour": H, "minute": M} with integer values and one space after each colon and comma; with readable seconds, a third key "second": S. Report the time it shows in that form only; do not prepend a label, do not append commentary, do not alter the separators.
{"hour": 9, "minute": 19}
